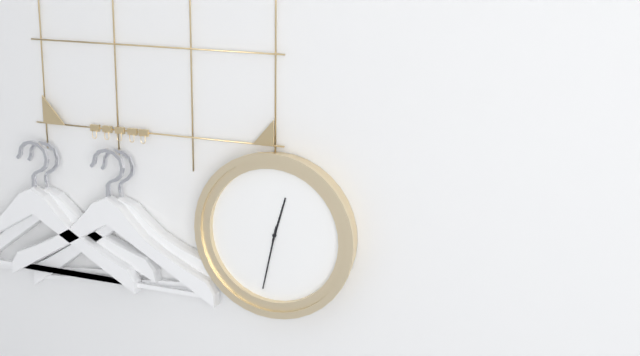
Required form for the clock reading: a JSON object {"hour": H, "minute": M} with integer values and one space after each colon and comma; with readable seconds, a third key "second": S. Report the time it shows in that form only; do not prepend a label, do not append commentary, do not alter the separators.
{"hour": 12, "minute": 32}
